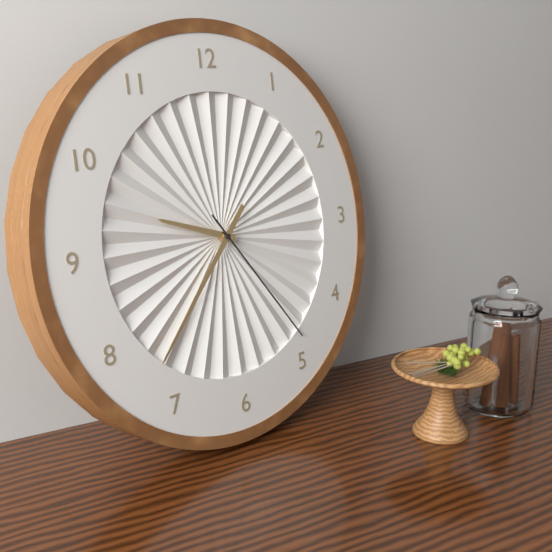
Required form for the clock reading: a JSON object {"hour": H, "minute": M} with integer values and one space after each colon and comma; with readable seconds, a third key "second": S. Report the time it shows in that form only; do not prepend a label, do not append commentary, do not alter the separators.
{"hour": 9, "minute": 37, "second": 24}
